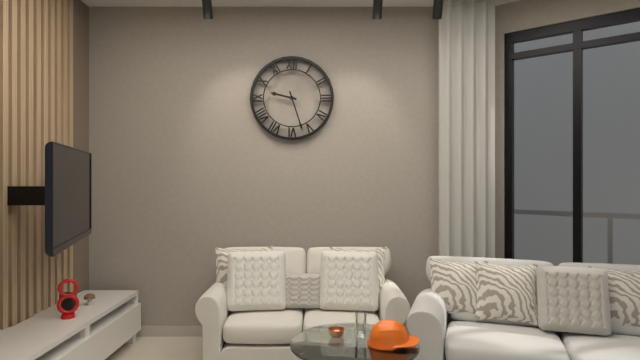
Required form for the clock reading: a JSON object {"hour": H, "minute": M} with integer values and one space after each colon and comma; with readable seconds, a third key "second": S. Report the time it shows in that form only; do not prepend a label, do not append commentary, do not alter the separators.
{"hour": 9, "minute": 27}
